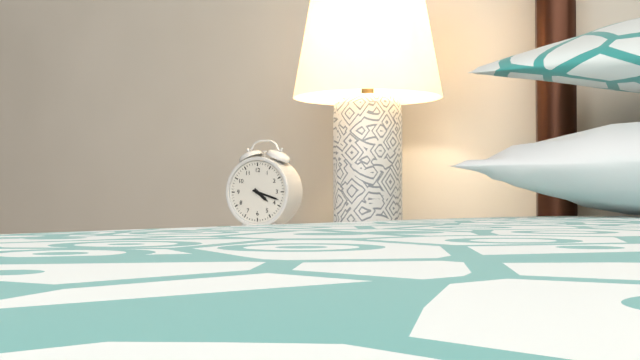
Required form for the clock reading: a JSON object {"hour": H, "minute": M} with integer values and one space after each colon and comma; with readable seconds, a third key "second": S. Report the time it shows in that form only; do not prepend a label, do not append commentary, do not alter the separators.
{"hour": 4, "minute": 18}
